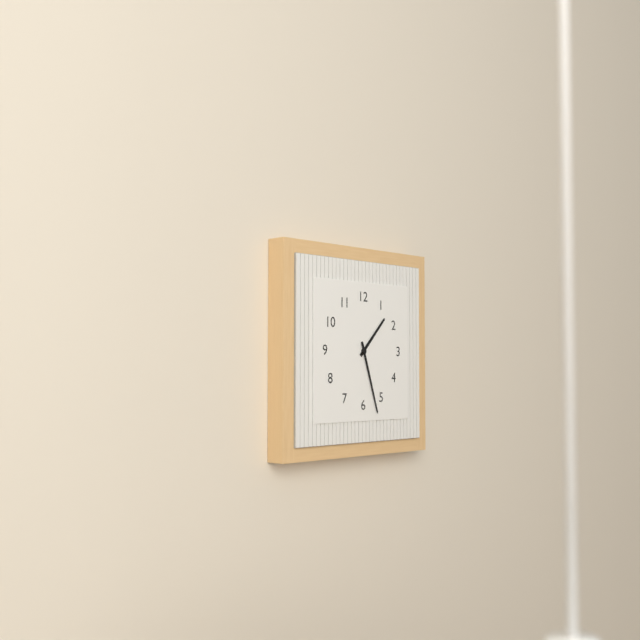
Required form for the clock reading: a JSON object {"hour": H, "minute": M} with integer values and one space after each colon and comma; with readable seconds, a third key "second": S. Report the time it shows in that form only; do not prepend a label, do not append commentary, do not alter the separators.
{"hour": 1, "minute": 27}
